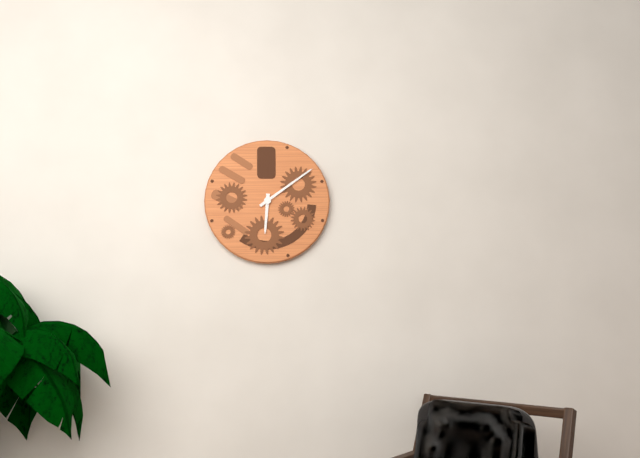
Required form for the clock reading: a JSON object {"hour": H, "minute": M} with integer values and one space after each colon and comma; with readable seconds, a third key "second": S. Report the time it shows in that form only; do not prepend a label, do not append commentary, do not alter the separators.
{"hour": 6, "minute": 9}
